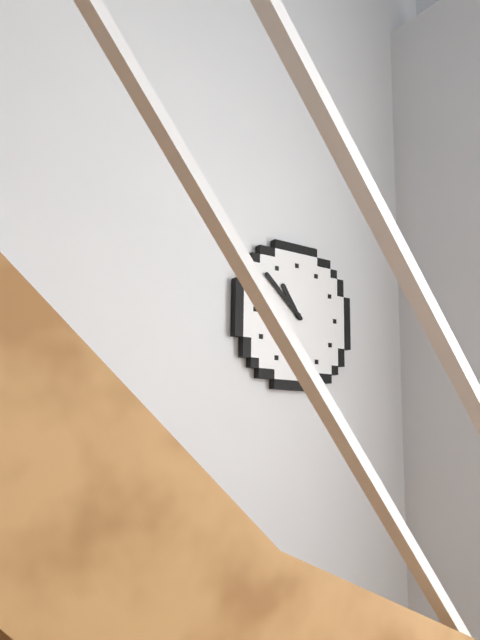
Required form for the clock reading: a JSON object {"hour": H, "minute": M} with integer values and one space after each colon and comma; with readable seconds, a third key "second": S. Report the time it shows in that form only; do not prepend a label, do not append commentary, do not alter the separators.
{"hour": 10, "minute": 52}
